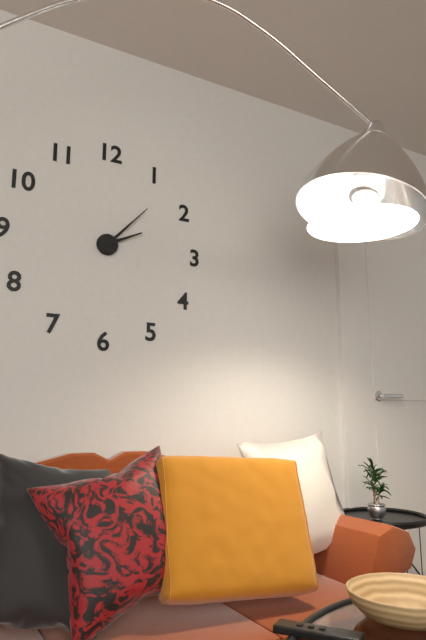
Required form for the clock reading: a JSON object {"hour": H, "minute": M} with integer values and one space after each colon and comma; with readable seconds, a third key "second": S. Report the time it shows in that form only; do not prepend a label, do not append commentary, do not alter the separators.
{"hour": 2, "minute": 7}
